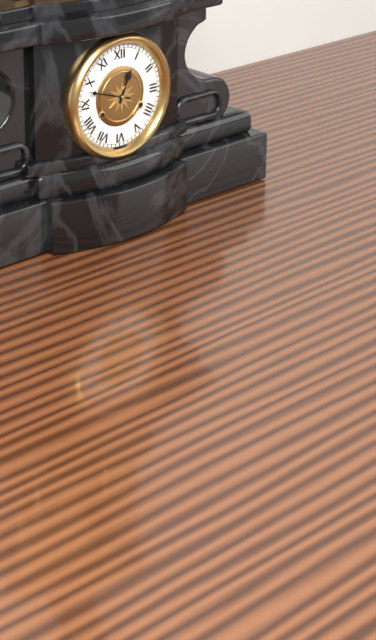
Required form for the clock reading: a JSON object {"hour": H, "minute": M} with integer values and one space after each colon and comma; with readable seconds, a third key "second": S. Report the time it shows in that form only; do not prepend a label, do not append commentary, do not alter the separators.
{"hour": 12, "minute": 48}
